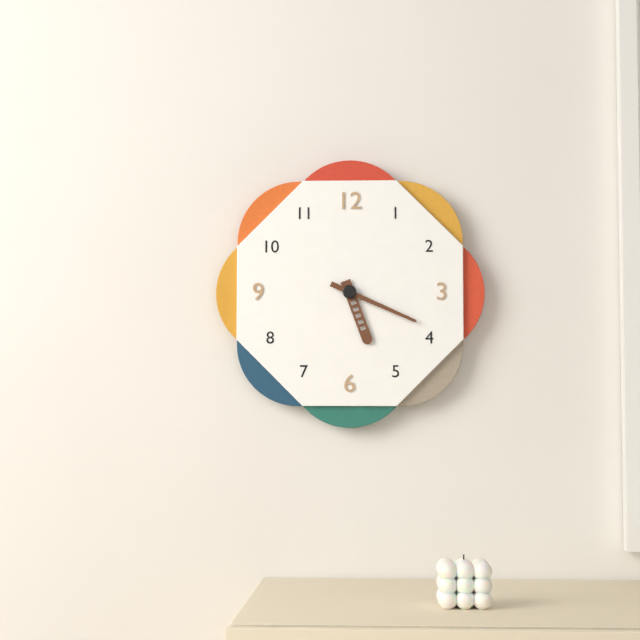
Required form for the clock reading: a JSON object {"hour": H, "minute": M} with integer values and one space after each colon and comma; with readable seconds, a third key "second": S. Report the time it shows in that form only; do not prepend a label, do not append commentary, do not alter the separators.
{"hour": 5, "minute": 19}
